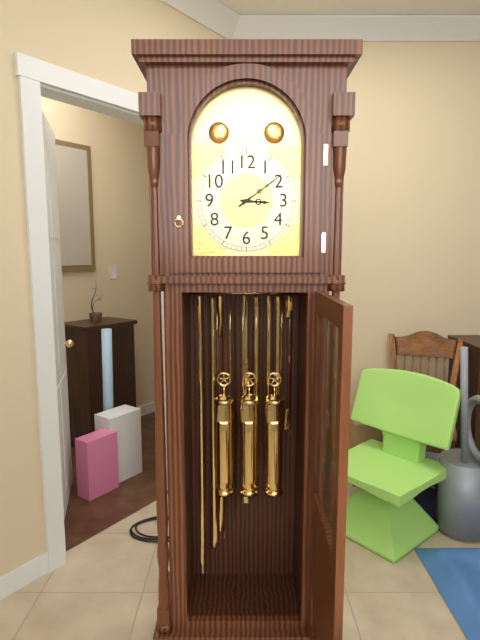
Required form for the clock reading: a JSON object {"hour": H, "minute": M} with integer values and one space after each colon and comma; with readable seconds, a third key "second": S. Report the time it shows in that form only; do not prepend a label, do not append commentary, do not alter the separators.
{"hour": 3, "minute": 9}
